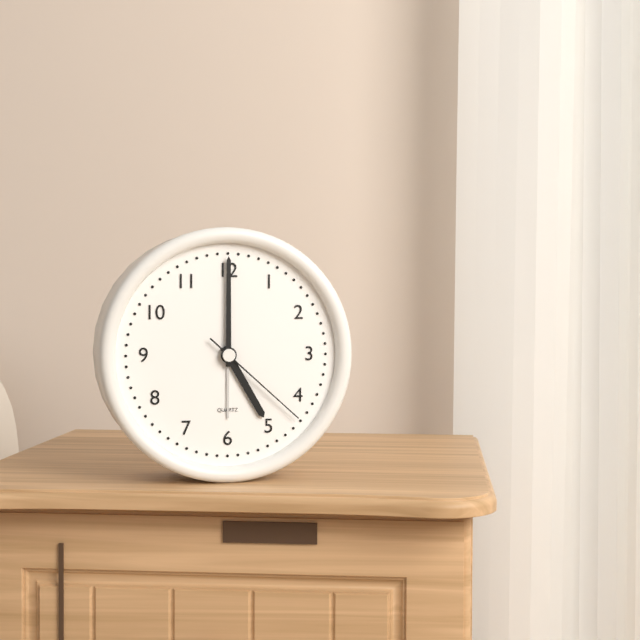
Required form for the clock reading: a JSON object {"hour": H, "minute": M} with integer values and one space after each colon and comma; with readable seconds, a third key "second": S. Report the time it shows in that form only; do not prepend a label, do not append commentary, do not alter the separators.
{"hour": 5, "minute": 0, "second": 22}
